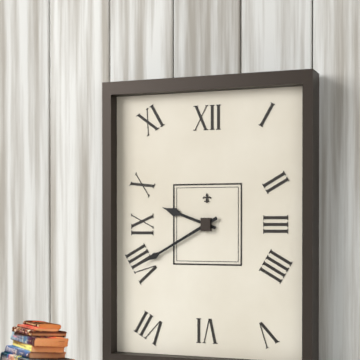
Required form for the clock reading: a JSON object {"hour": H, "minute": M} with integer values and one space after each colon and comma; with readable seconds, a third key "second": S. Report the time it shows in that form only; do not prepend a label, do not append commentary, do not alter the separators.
{"hour": 9, "minute": 40}
